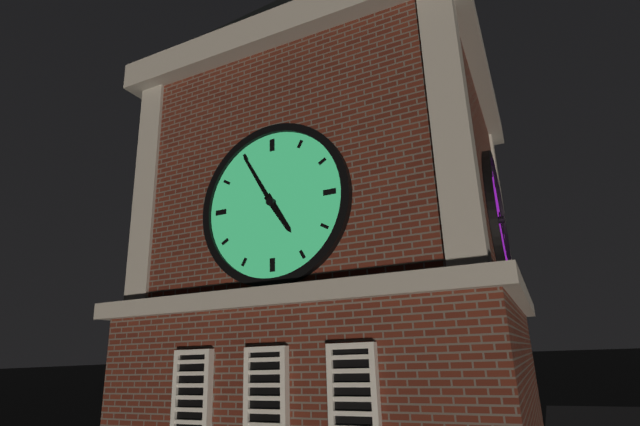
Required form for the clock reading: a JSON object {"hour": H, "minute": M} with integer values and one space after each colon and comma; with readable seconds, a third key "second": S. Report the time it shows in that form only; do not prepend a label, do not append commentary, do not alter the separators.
{"hour": 4, "minute": 55}
